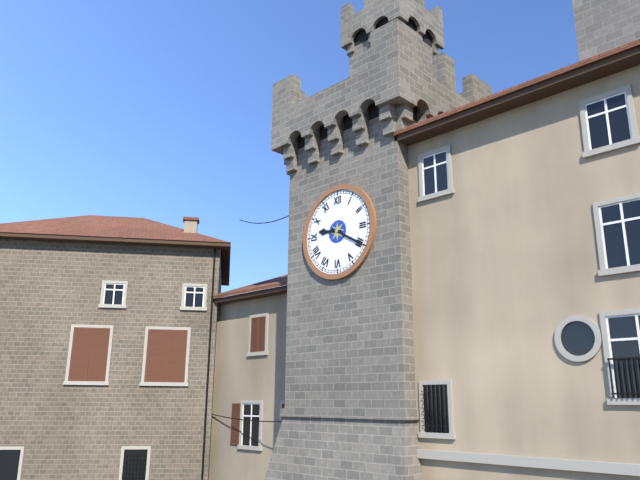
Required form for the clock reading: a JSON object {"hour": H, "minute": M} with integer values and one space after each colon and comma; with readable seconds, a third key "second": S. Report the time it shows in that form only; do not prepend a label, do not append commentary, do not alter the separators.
{"hour": 9, "minute": 20}
